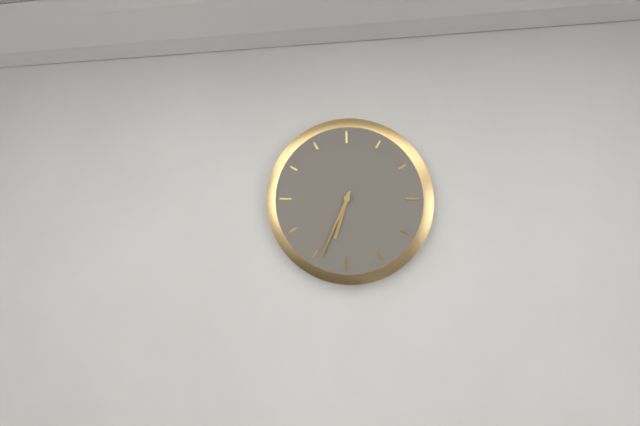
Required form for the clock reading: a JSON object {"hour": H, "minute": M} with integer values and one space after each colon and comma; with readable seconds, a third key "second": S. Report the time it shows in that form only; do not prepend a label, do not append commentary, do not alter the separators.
{"hour": 6, "minute": 34}
